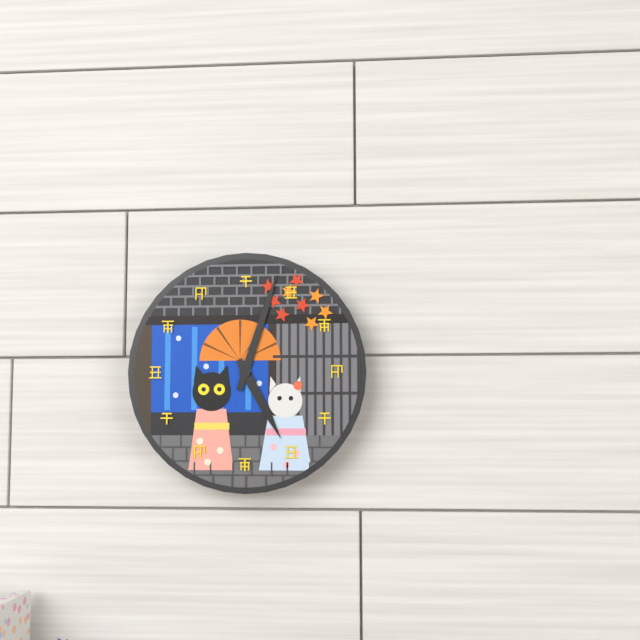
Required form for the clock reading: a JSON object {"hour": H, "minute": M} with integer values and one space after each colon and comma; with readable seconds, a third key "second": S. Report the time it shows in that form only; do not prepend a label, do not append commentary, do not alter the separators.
{"hour": 5, "minute": 3}
